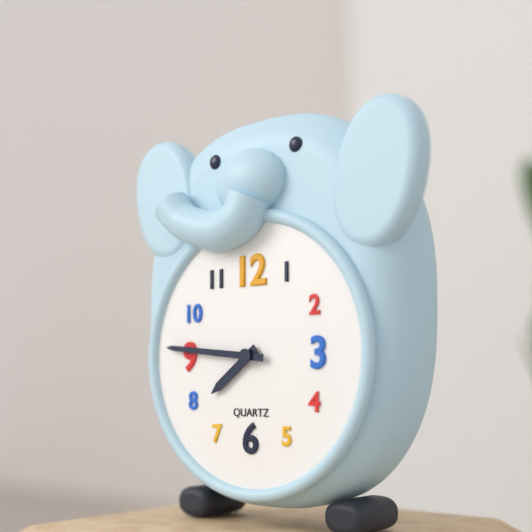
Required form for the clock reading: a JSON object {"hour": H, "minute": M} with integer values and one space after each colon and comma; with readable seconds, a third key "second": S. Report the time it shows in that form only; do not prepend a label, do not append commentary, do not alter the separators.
{"hour": 7, "minute": 46}
